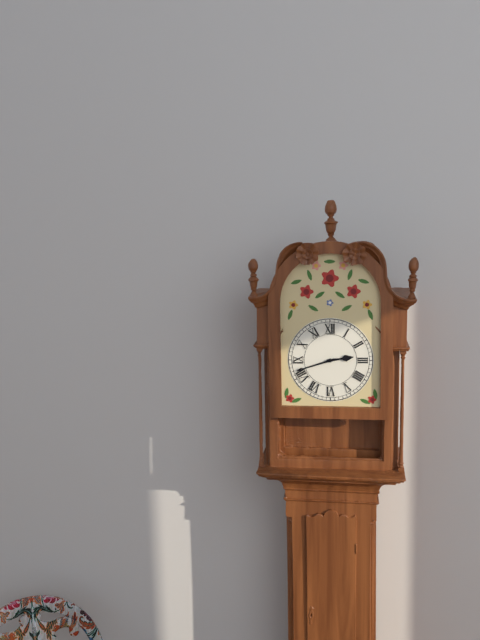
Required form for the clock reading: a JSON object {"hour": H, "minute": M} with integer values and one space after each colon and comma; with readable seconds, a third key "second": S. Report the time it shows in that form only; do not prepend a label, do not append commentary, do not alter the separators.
{"hour": 2, "minute": 42}
